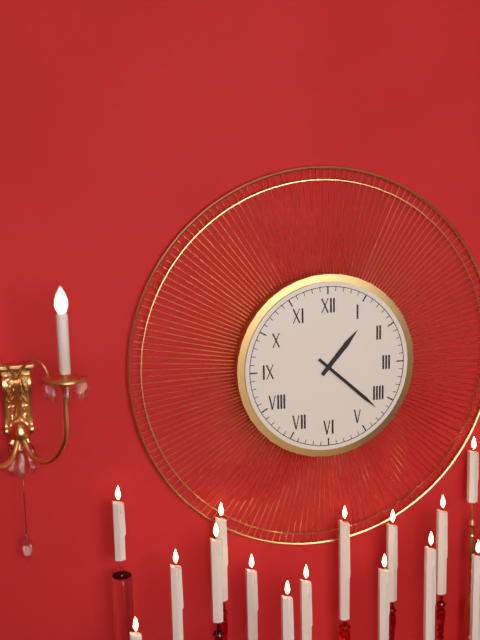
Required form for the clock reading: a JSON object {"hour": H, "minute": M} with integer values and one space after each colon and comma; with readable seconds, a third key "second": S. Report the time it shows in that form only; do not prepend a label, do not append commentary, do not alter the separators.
{"hour": 1, "minute": 22}
